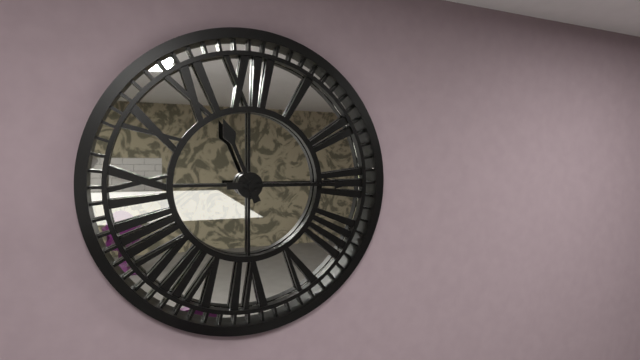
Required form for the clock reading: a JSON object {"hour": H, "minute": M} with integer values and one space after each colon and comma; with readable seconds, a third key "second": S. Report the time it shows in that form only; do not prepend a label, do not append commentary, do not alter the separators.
{"hour": 11, "minute": 15}
